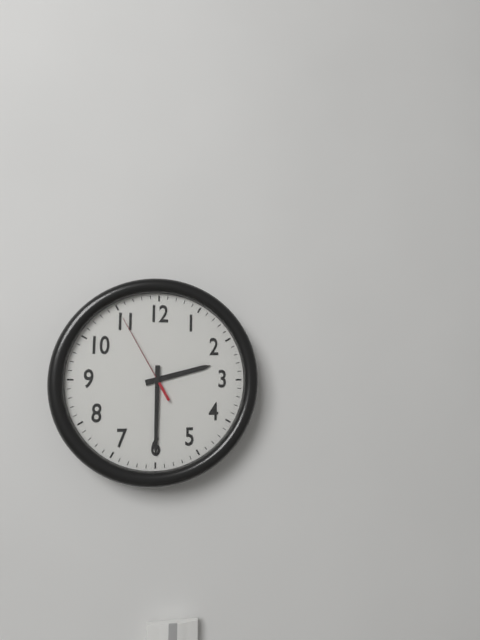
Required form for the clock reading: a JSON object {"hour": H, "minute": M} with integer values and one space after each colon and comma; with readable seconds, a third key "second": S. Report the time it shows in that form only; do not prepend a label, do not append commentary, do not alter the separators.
{"hour": 2, "minute": 30, "second": 55}
